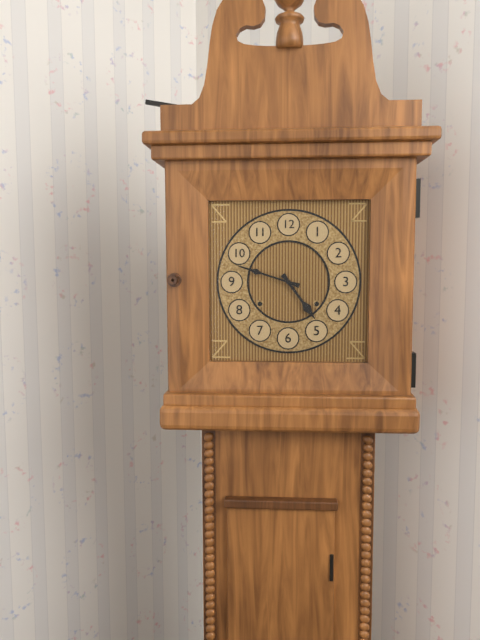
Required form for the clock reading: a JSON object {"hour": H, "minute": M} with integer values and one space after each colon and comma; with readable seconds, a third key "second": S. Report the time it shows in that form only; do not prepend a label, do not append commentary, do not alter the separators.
{"hour": 4, "minute": 48}
